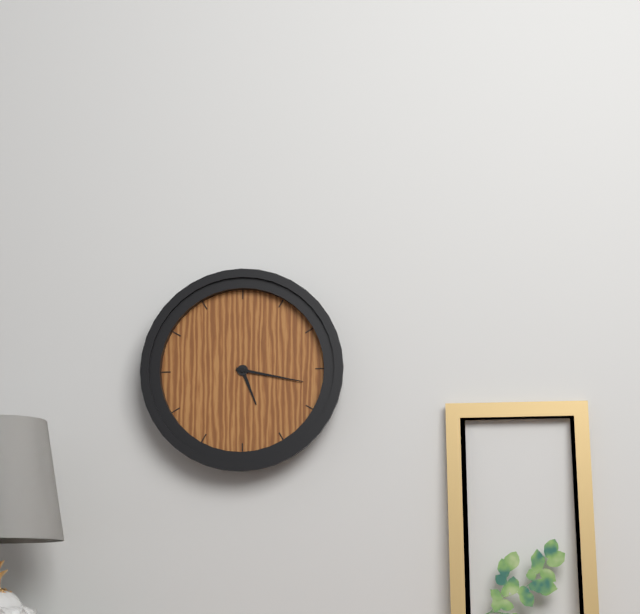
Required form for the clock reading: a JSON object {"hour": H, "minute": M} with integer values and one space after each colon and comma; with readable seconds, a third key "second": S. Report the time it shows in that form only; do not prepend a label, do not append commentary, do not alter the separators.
{"hour": 5, "minute": 17}
